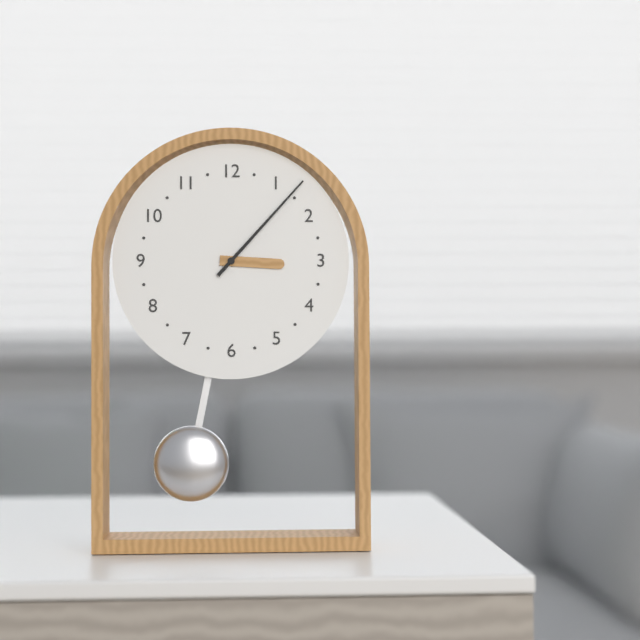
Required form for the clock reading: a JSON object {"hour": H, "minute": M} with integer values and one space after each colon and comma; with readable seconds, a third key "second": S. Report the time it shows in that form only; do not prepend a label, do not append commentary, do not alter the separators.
{"hour": 3, "minute": 7}
